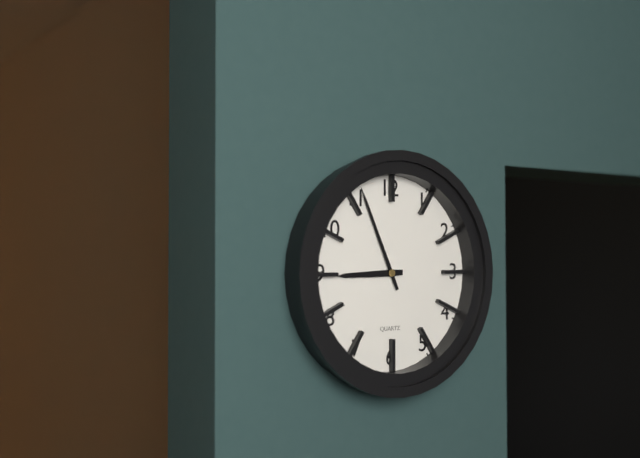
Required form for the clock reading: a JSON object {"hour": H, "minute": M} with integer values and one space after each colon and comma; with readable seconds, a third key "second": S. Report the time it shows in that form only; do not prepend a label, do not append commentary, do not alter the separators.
{"hour": 8, "minute": 56}
